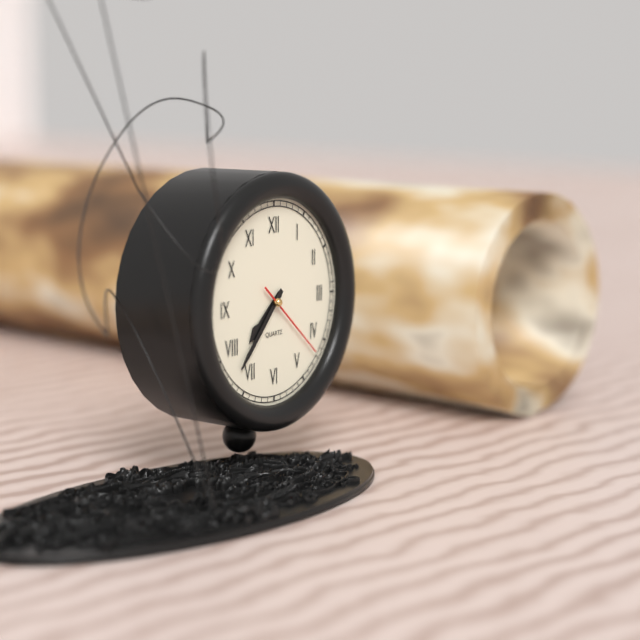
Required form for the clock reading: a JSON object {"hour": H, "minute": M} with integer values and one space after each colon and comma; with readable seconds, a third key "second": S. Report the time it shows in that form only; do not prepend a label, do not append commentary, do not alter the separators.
{"hour": 7, "minute": 37, "second": 22}
